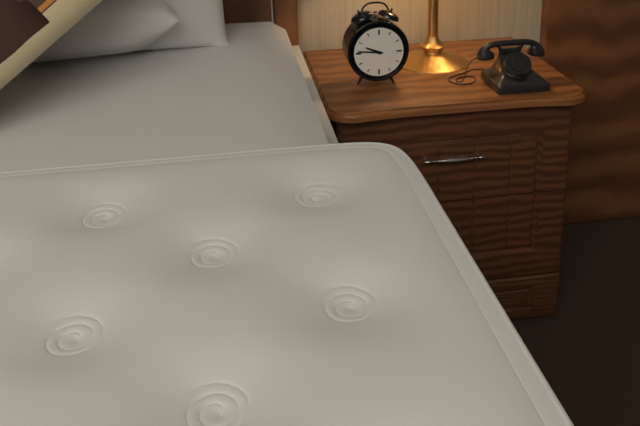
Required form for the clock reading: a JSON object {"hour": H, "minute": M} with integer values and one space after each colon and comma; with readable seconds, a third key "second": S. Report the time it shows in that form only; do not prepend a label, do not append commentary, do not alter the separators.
{"hour": 9, "minute": 46}
